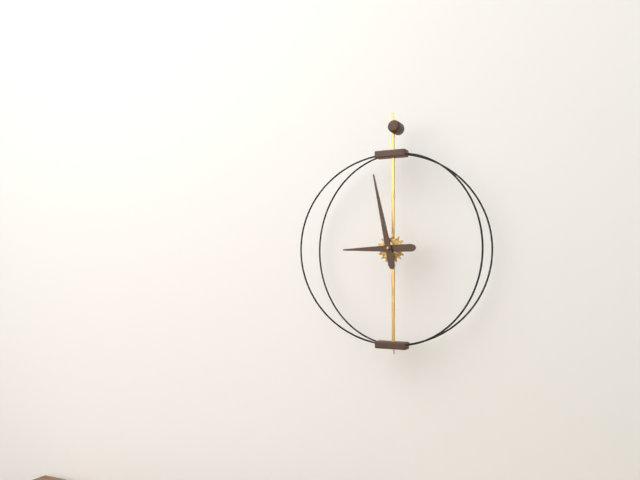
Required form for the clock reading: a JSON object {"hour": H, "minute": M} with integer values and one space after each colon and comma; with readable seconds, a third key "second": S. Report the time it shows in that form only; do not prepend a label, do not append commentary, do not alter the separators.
{"hour": 8, "minute": 58}
